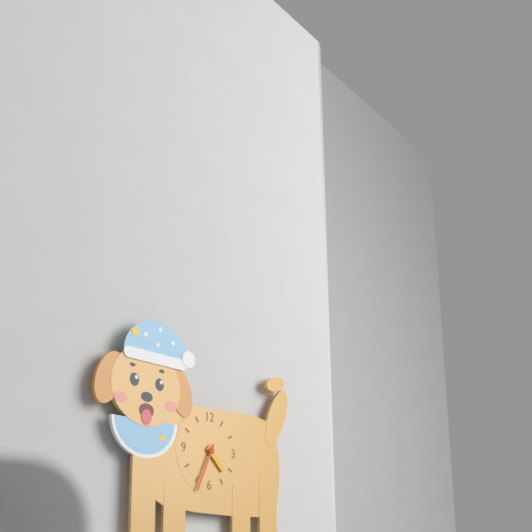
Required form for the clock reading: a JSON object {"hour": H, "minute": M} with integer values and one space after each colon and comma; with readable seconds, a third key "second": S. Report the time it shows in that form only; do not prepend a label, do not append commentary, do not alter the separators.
{"hour": 4, "minute": 34}
